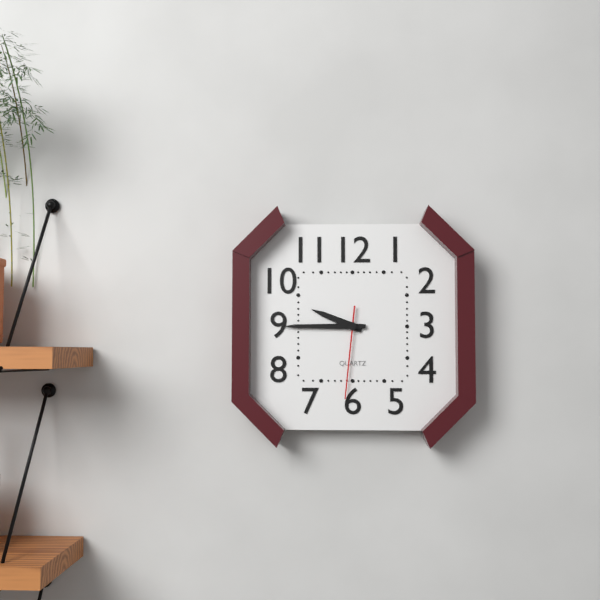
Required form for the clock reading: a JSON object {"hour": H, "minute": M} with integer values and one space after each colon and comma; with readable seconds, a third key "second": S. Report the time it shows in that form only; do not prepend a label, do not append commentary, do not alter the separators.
{"hour": 9, "minute": 45, "second": 31}
